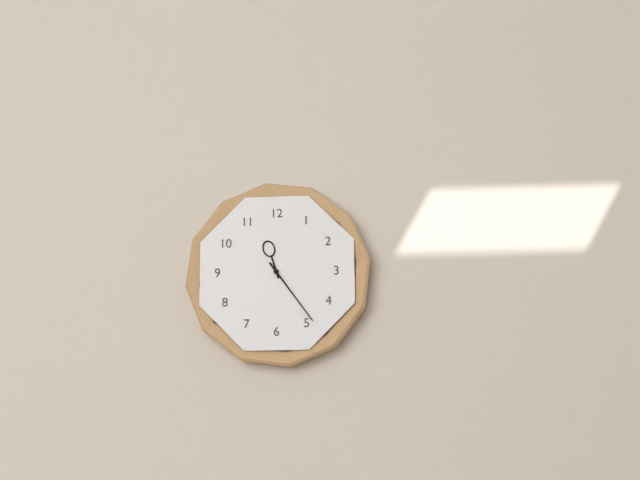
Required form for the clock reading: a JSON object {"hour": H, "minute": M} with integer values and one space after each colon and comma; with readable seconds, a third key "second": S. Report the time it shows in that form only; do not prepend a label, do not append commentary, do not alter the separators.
{"hour": 11, "minute": 24}
